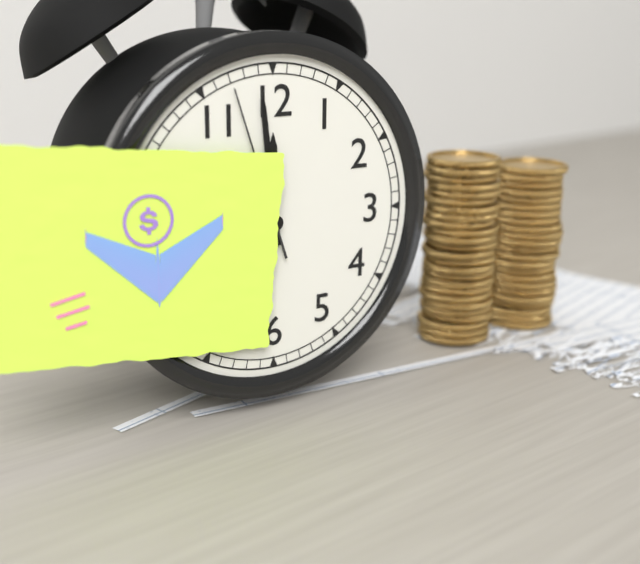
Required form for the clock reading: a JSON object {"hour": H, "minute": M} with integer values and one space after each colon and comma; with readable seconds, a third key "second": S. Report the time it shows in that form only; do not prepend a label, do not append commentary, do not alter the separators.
{"hour": 11, "minute": 59, "second": 57}
